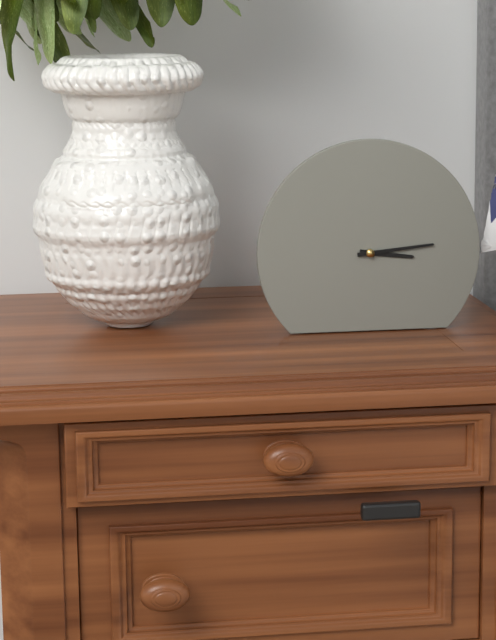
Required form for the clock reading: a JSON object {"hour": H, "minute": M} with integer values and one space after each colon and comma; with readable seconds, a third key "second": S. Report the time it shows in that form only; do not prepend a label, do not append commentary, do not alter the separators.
{"hour": 3, "minute": 14}
